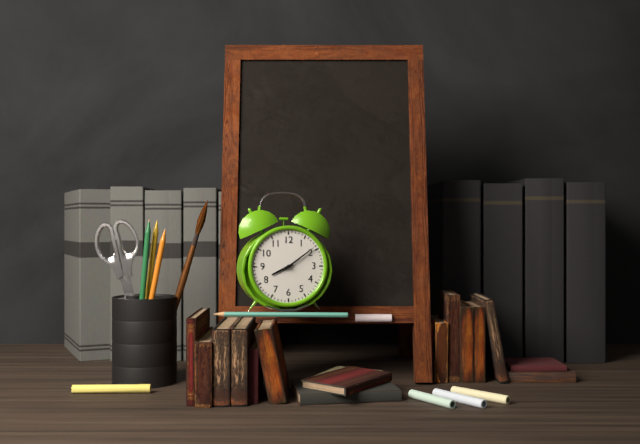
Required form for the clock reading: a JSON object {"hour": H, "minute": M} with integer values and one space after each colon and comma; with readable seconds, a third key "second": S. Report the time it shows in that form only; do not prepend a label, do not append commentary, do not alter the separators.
{"hour": 8, "minute": 9}
